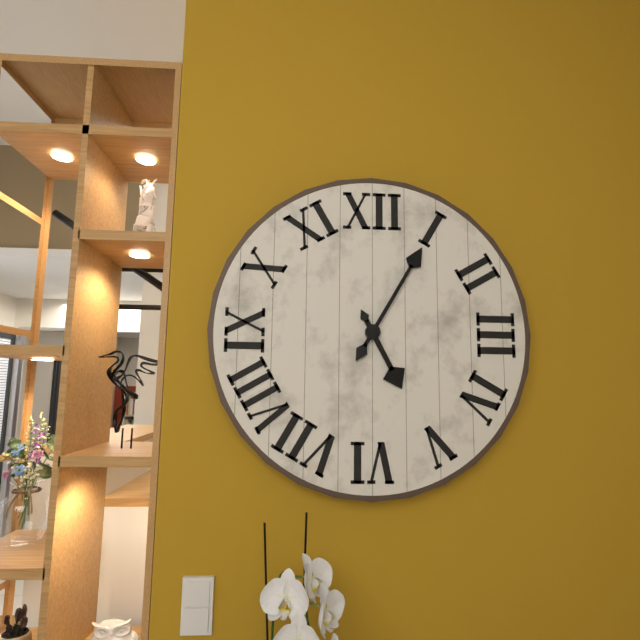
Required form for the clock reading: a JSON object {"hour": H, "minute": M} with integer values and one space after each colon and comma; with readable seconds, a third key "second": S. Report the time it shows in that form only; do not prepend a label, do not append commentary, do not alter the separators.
{"hour": 5, "minute": 5}
